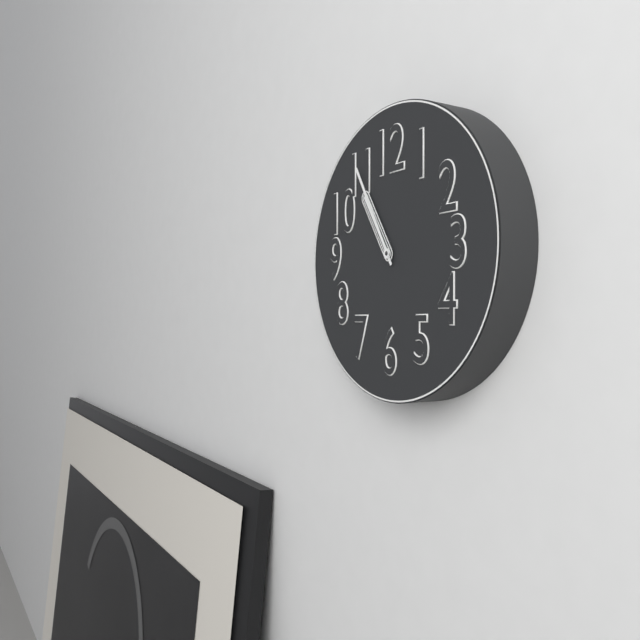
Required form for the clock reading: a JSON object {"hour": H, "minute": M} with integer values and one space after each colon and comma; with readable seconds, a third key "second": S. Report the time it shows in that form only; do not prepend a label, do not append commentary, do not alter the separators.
{"hour": 10, "minute": 55}
